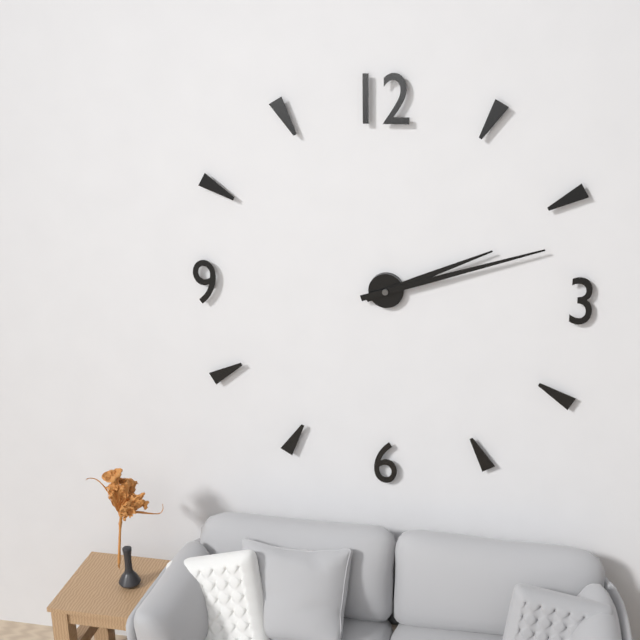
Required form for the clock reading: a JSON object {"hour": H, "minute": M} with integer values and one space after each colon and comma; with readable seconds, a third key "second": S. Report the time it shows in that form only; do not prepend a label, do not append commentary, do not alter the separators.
{"hour": 2, "minute": 12}
